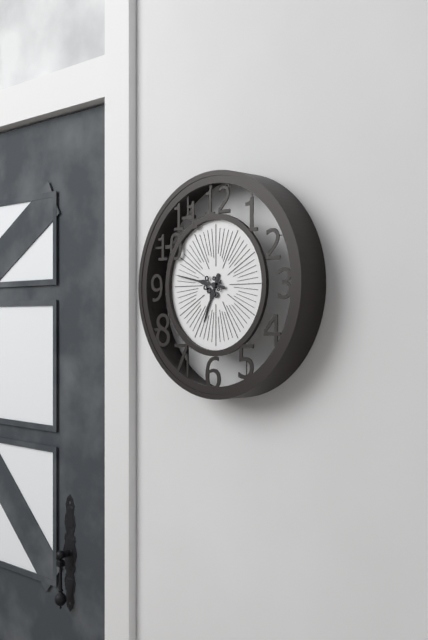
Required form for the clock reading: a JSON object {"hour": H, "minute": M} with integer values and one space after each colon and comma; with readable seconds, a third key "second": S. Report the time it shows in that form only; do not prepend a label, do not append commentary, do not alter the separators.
{"hour": 6, "minute": 47}
